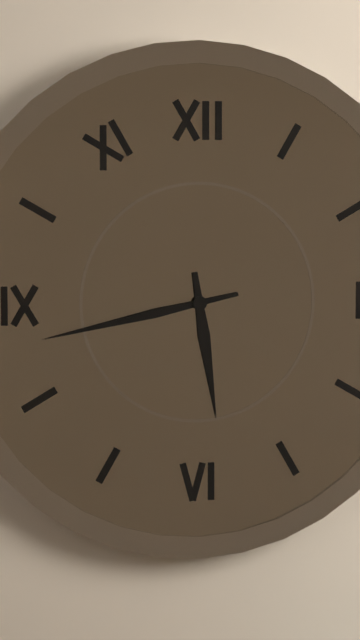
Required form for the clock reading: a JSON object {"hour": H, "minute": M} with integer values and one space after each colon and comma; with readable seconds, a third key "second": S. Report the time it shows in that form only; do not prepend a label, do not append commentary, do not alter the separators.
{"hour": 5, "minute": 43}
